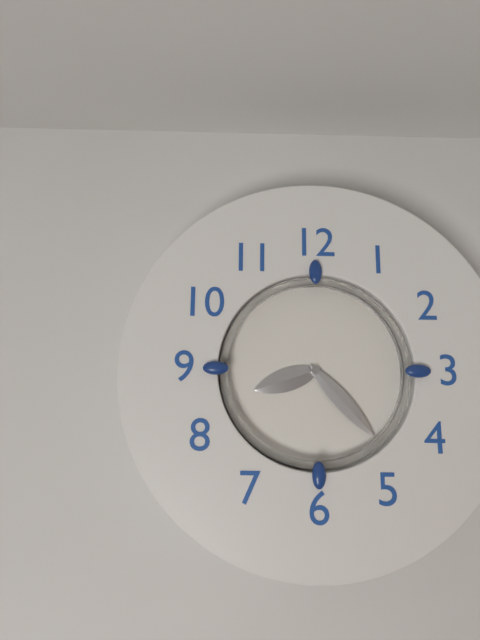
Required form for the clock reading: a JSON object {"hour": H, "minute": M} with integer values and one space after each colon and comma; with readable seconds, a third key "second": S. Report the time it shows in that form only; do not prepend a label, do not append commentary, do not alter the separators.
{"hour": 8, "minute": 23}
